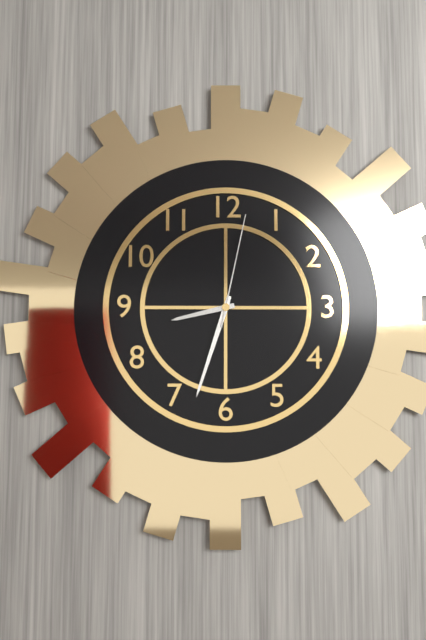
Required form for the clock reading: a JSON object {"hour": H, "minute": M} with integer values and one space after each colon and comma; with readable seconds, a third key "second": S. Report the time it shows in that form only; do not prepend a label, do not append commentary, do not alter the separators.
{"hour": 8, "minute": 33, "second": 2}
